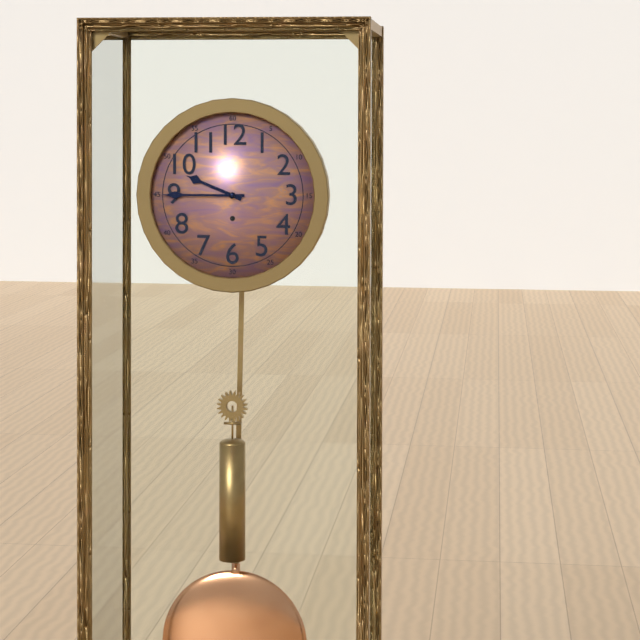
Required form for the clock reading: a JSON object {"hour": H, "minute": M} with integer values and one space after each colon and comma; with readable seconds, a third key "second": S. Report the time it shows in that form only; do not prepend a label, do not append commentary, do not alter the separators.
{"hour": 9, "minute": 45}
